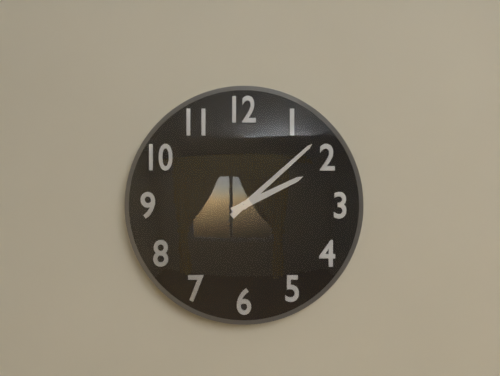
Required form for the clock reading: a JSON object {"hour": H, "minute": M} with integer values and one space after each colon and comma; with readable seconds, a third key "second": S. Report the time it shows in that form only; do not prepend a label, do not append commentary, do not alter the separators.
{"hour": 2, "minute": 8}
